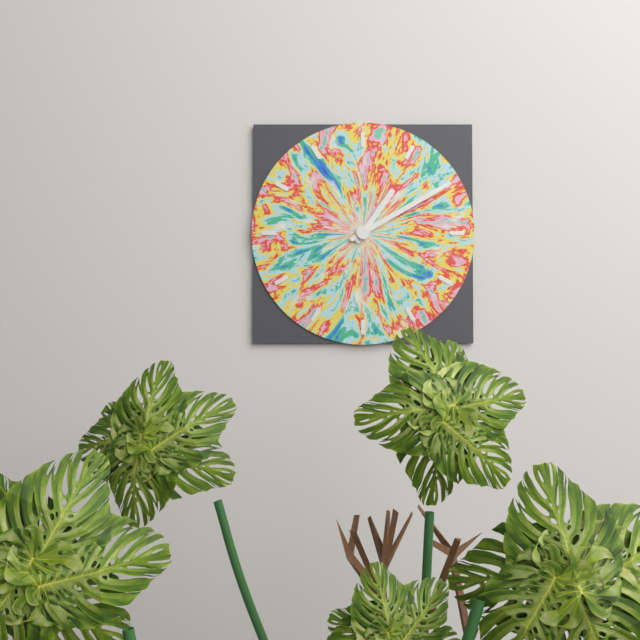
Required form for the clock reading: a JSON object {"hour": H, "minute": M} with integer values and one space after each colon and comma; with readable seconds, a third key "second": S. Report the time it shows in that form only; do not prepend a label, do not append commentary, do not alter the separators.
{"hour": 1, "minute": 10}
